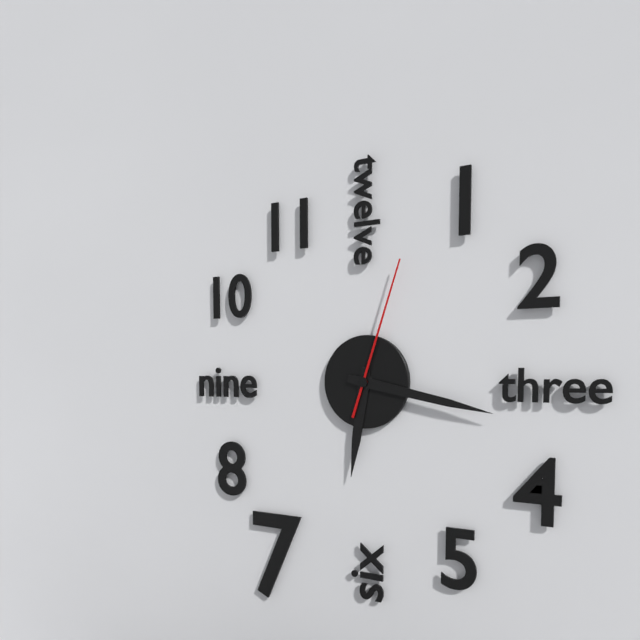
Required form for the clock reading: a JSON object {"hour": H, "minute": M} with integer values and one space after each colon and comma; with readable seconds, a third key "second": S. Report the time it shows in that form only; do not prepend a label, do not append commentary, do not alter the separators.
{"hour": 6, "minute": 17, "second": 3}
